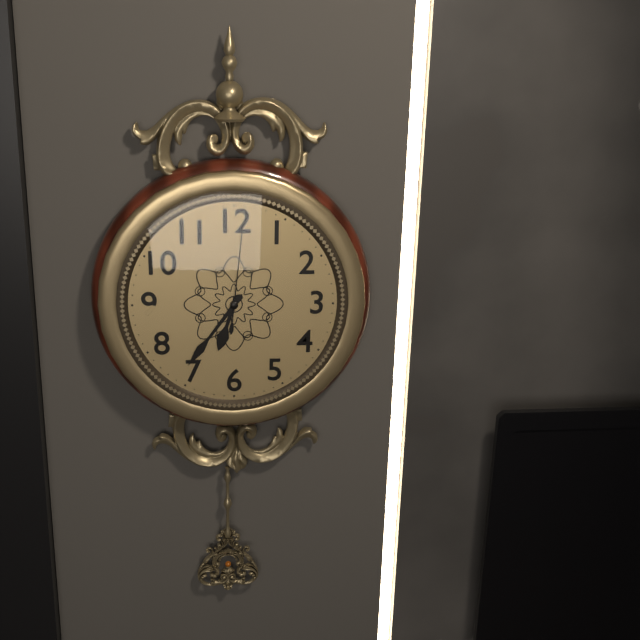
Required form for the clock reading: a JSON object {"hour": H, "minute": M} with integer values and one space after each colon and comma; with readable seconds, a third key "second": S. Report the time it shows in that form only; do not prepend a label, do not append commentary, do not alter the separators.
{"hour": 6, "minute": 36, "second": 1}
